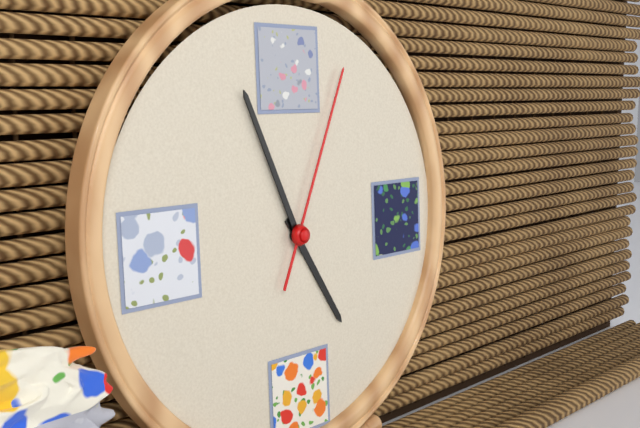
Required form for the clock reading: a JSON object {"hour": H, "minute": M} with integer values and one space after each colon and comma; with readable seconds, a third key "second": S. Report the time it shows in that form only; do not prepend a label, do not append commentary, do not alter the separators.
{"hour": 4, "minute": 56, "second": 4}
